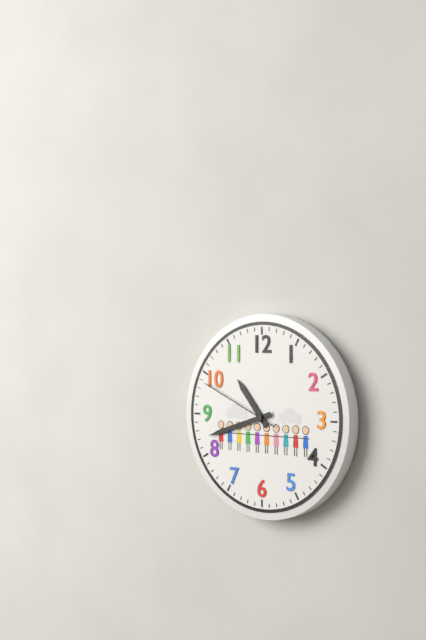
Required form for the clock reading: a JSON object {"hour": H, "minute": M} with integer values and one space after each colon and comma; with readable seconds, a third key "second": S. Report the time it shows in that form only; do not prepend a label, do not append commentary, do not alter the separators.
{"hour": 10, "minute": 42, "second": 49}
